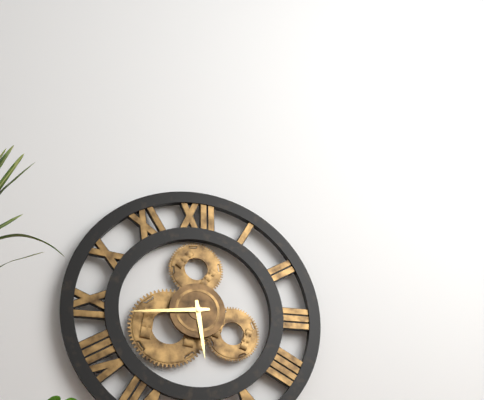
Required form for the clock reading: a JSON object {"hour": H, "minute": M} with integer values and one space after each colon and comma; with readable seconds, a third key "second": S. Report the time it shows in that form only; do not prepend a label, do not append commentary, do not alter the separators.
{"hour": 5, "minute": 44}
